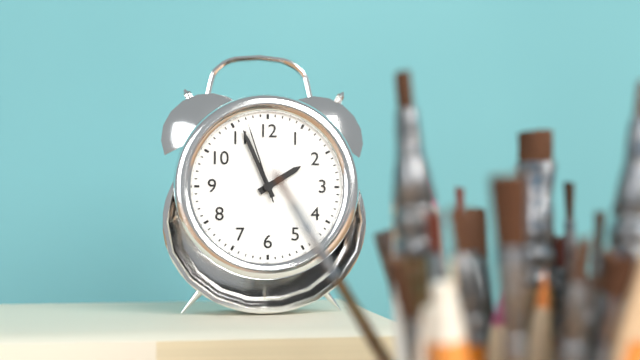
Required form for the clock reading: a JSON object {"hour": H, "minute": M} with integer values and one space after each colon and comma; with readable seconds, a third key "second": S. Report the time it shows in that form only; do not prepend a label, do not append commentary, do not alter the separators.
{"hour": 1, "minute": 56, "second": 57}
